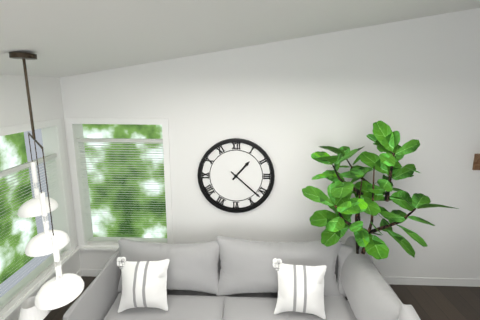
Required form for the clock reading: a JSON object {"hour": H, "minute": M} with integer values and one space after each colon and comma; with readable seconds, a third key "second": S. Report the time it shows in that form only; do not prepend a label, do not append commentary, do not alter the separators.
{"hour": 1, "minute": 22}
